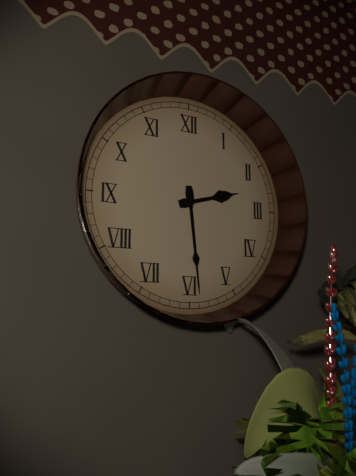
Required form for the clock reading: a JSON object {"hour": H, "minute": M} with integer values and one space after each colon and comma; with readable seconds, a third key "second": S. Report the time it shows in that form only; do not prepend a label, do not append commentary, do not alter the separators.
{"hour": 2, "minute": 29}
